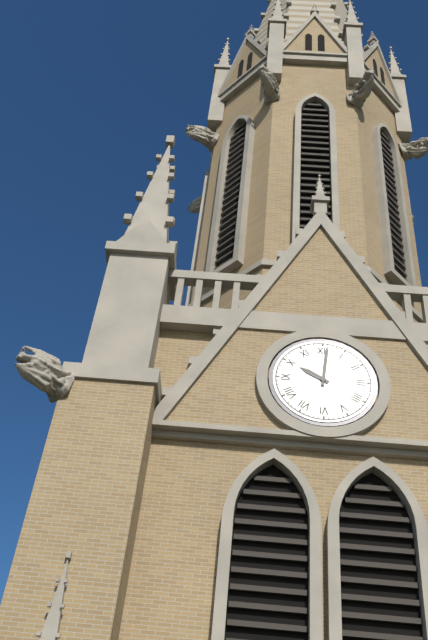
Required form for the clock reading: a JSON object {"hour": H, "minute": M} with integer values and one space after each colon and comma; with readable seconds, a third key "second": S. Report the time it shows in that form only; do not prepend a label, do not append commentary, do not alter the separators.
{"hour": 10, "minute": 1}
